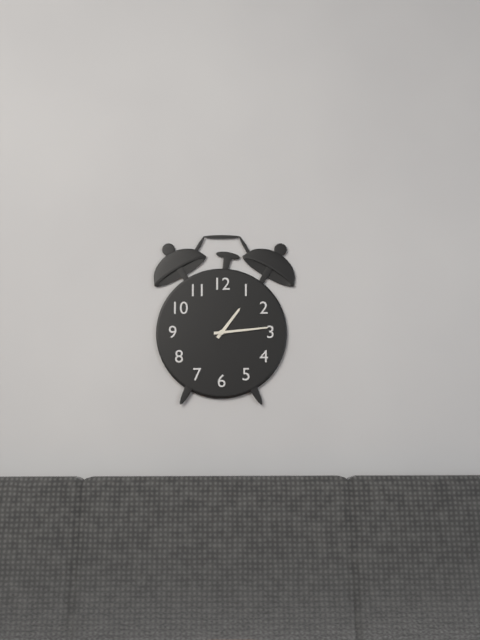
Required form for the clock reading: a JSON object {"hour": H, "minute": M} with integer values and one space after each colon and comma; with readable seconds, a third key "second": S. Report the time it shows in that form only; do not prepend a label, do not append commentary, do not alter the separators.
{"hour": 1, "minute": 14}
